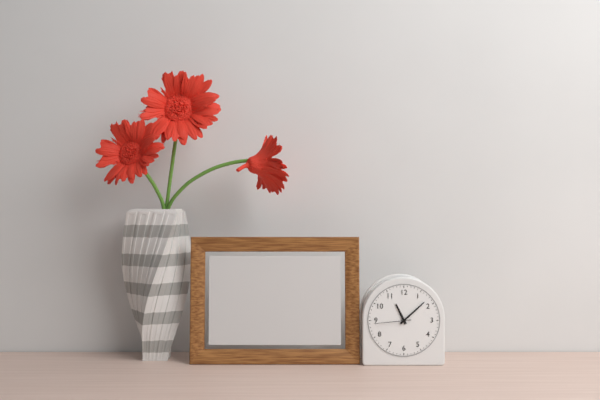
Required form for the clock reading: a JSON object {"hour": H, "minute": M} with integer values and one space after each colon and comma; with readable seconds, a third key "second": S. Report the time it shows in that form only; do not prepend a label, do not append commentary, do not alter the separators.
{"hour": 11, "minute": 8}
